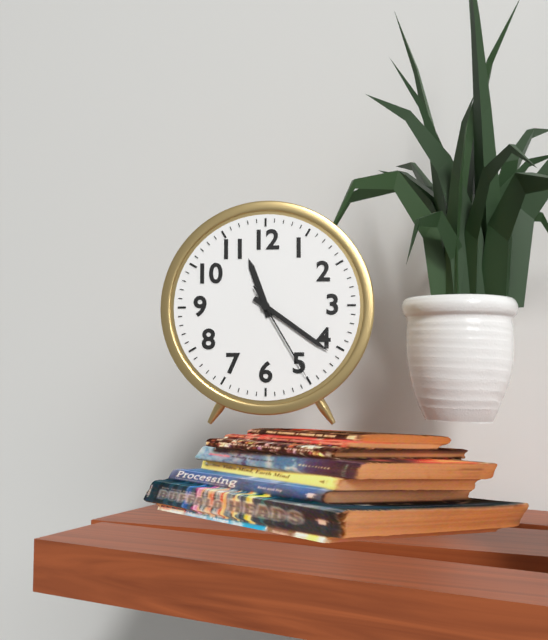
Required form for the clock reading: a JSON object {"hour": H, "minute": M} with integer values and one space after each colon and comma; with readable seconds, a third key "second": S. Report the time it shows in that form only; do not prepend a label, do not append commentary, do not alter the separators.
{"hour": 11, "minute": 21, "second": 25}
